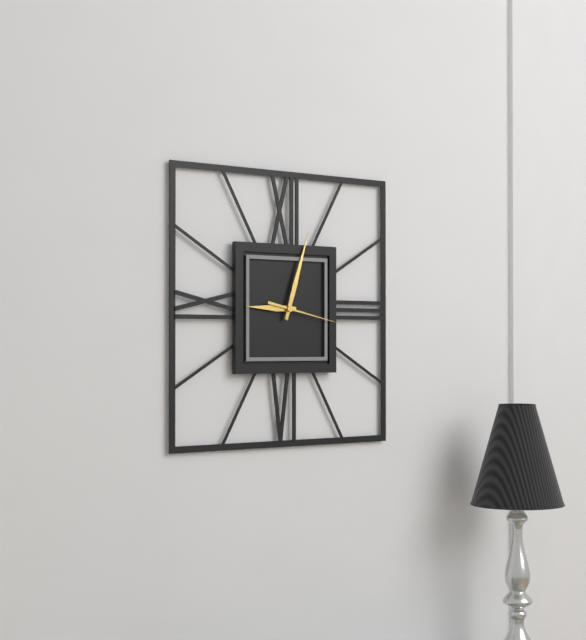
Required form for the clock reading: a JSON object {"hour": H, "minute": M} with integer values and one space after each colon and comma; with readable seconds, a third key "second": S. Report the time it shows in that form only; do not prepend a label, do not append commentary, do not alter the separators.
{"hour": 9, "minute": 3, "second": 17}
